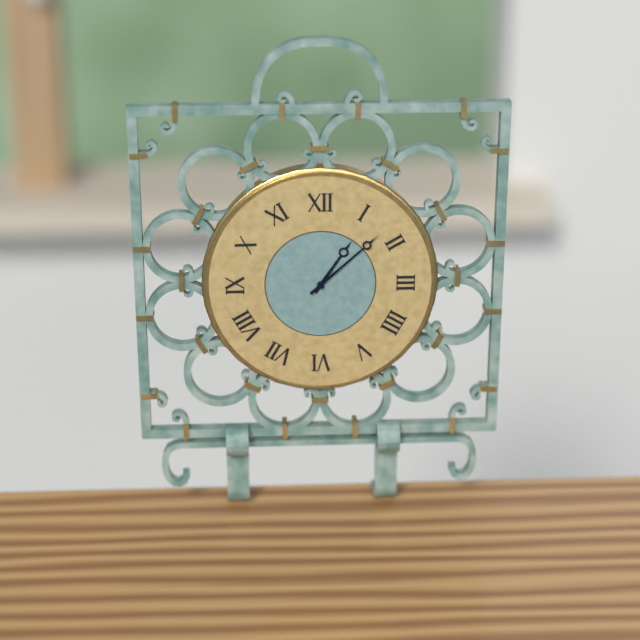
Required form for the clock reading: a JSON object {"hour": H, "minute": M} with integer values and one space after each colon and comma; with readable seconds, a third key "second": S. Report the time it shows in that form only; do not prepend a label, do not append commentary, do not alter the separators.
{"hour": 1, "minute": 8}
